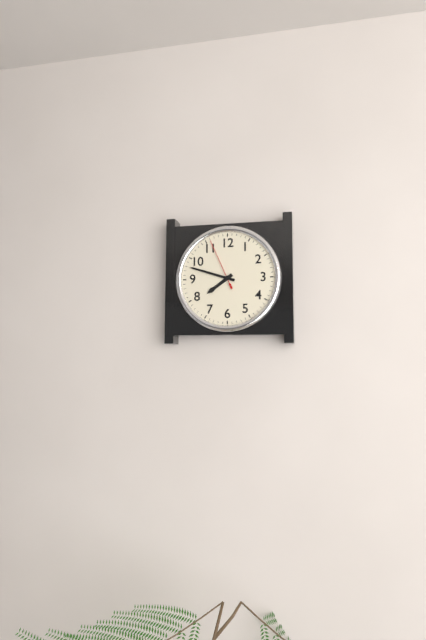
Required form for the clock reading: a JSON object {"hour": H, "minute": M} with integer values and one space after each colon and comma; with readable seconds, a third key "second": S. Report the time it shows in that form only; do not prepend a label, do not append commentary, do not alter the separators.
{"hour": 7, "minute": 48, "second": 56}
